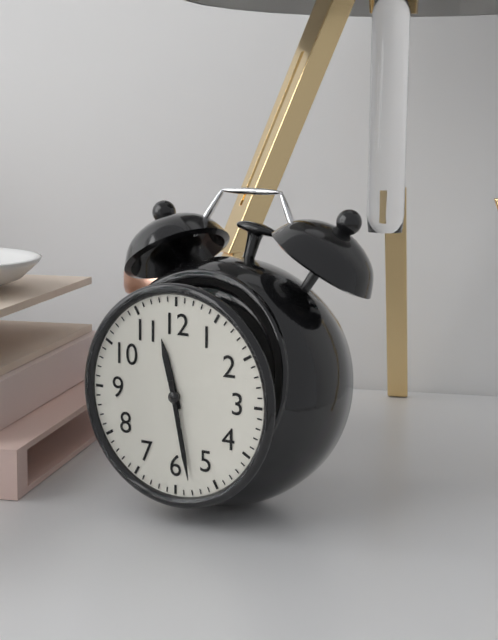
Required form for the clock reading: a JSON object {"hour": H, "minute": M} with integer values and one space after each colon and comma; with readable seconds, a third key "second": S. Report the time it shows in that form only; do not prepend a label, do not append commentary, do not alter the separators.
{"hour": 11, "minute": 28}
